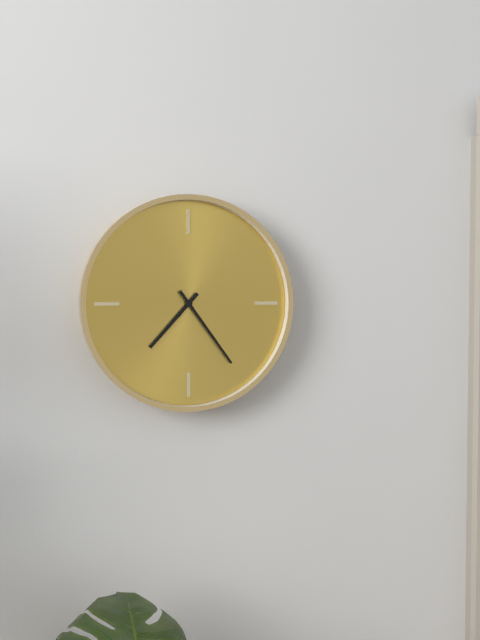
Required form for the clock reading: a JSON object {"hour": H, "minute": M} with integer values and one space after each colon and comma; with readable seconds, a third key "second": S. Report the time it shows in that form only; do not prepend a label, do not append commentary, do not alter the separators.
{"hour": 7, "minute": 24}
